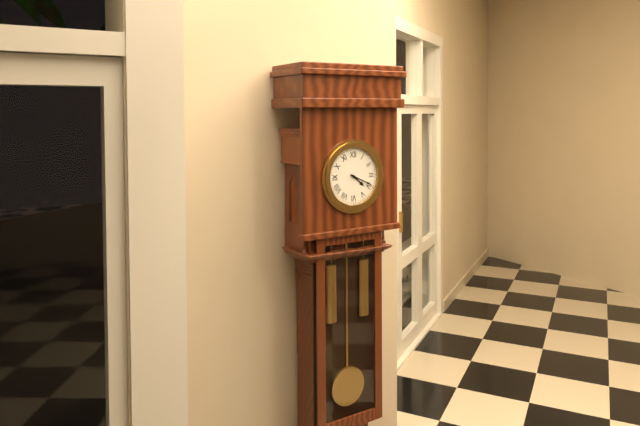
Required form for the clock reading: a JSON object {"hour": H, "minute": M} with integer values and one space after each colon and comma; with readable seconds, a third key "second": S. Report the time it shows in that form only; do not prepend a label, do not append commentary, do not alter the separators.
{"hour": 4, "minute": 19}
